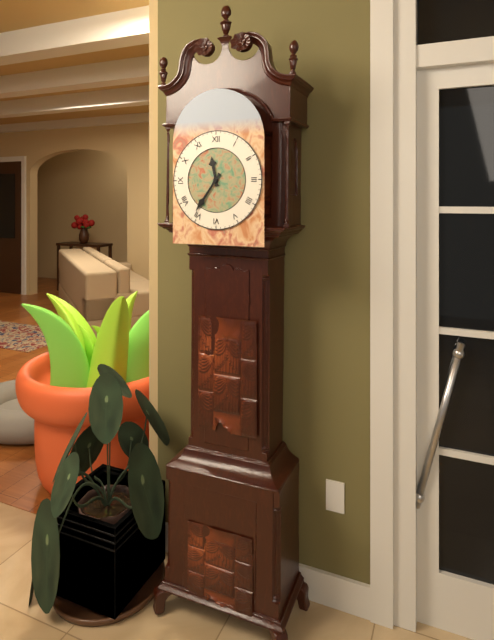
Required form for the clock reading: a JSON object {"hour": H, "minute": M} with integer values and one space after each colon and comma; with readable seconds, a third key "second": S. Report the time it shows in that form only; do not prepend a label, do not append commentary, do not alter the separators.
{"hour": 11, "minute": 36}
